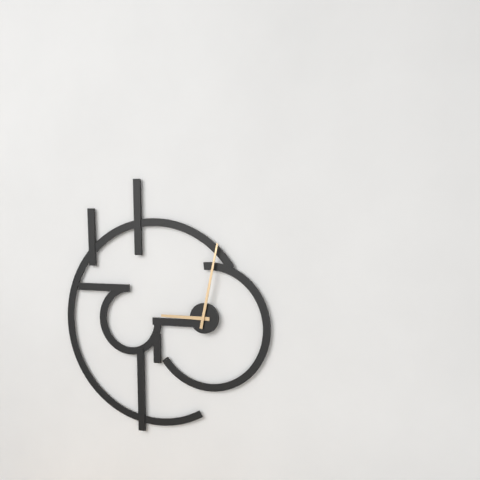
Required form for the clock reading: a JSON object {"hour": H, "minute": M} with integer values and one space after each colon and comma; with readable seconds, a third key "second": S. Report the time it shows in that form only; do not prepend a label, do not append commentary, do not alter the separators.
{"hour": 9, "minute": 2}
